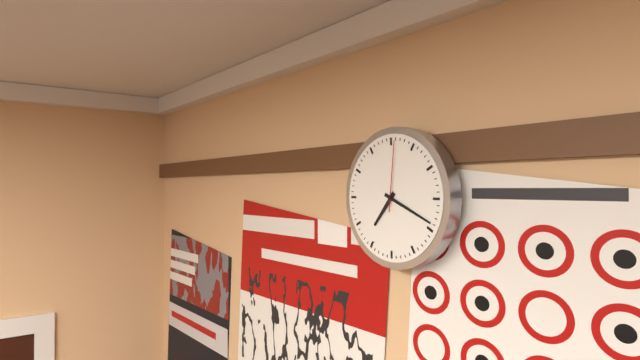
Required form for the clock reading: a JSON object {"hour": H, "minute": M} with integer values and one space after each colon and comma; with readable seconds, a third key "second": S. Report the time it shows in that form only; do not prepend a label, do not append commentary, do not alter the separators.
{"hour": 7, "minute": 19, "second": 1}
